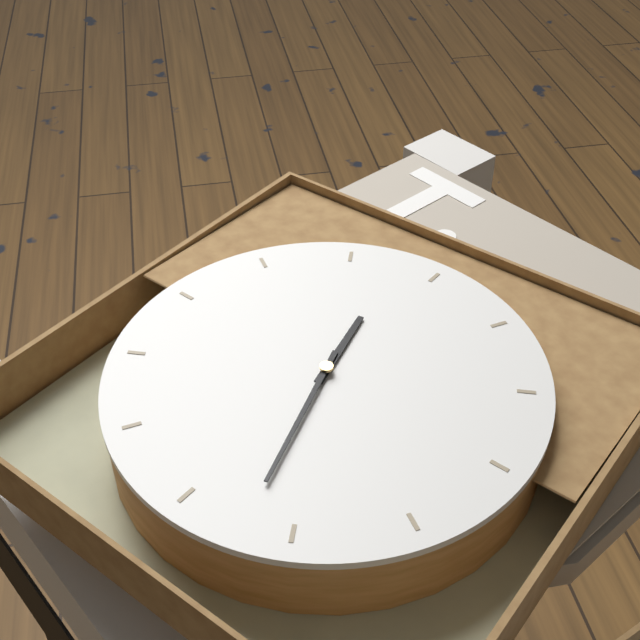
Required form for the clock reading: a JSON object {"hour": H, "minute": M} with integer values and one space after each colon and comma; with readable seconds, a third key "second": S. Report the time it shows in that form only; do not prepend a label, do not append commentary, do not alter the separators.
{"hour": 12, "minute": 32}
